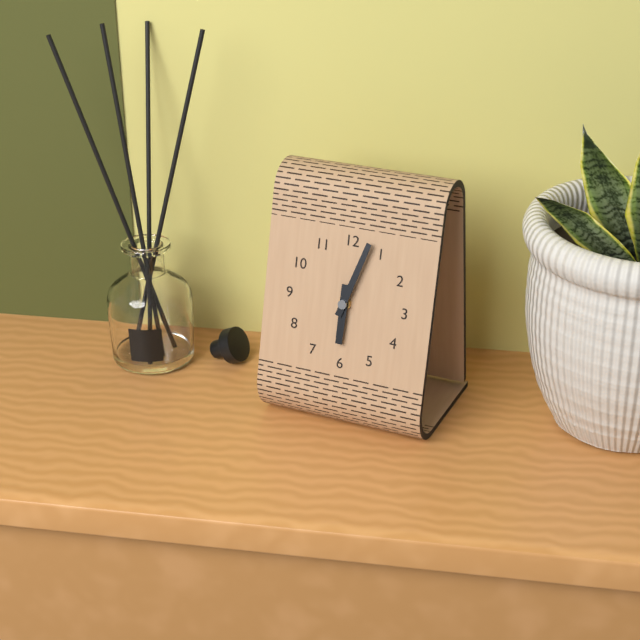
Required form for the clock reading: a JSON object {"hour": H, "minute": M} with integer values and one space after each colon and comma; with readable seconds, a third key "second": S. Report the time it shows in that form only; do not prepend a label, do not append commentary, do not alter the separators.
{"hour": 6, "minute": 3}
